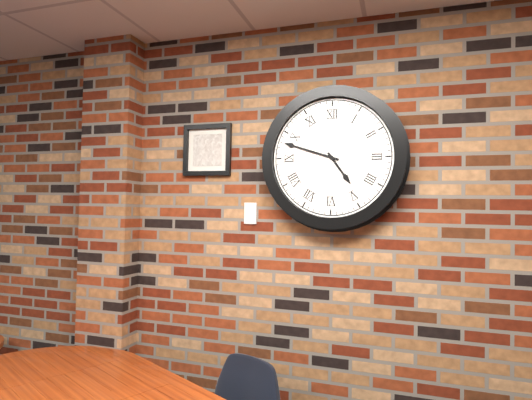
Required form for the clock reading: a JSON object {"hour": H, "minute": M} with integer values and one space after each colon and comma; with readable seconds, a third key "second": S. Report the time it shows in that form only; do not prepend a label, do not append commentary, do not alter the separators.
{"hour": 4, "minute": 48}
